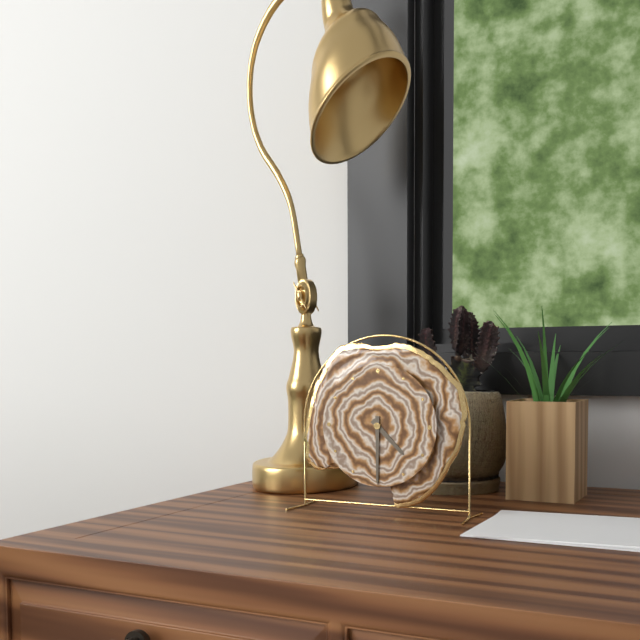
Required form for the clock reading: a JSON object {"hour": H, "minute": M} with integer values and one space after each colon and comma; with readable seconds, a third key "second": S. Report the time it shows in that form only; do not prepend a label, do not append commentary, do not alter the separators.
{"hour": 4, "minute": 30}
